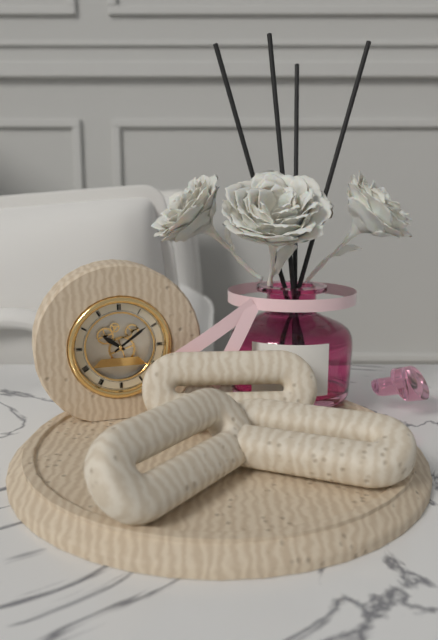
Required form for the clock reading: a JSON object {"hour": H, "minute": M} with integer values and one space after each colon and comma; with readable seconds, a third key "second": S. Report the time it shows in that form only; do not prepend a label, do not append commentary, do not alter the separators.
{"hour": 10, "minute": 9}
